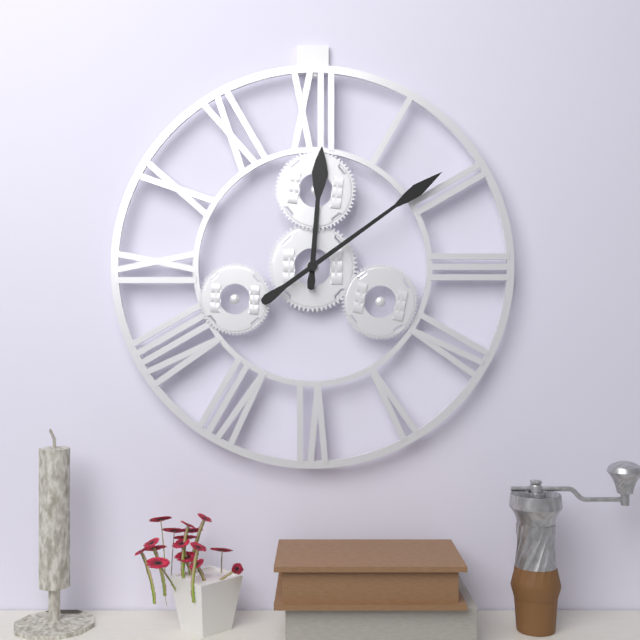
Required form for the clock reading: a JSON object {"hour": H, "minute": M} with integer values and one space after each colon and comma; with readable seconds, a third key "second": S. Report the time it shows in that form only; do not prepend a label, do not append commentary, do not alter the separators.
{"hour": 12, "minute": 9}
